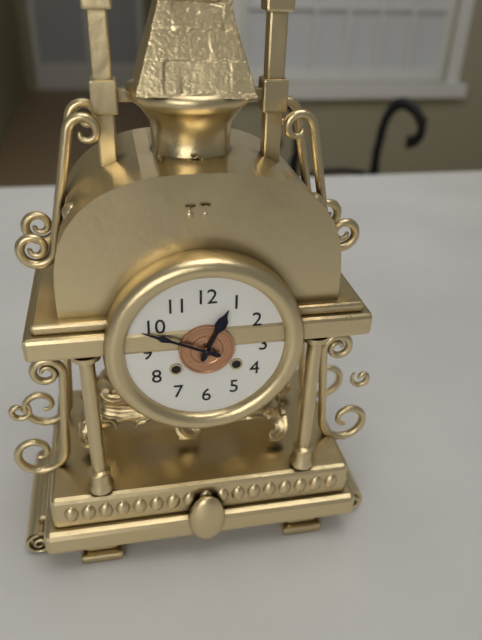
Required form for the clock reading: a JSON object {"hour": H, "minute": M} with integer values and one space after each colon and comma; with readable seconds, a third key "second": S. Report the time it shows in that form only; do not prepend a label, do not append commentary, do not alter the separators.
{"hour": 12, "minute": 49}
